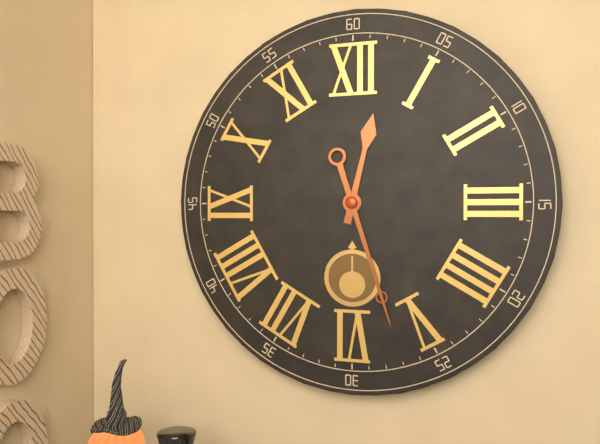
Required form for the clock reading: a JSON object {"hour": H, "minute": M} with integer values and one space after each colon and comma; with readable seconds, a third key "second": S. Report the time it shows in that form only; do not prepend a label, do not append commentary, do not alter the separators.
{"hour": 12, "minute": 27}
